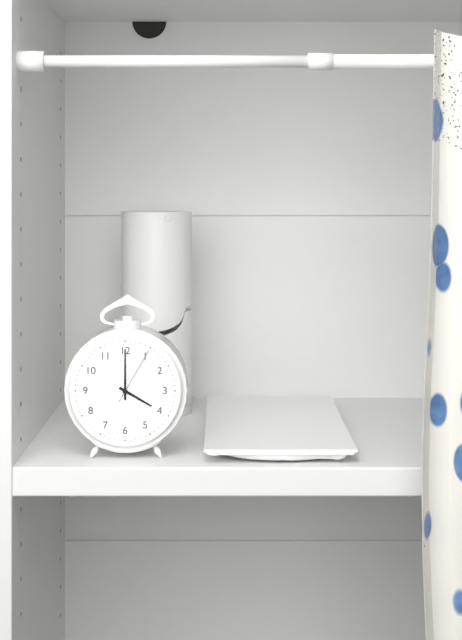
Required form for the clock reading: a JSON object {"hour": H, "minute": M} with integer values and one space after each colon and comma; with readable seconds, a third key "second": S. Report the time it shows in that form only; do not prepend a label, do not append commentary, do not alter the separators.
{"hour": 4, "minute": 0, "second": 5}
